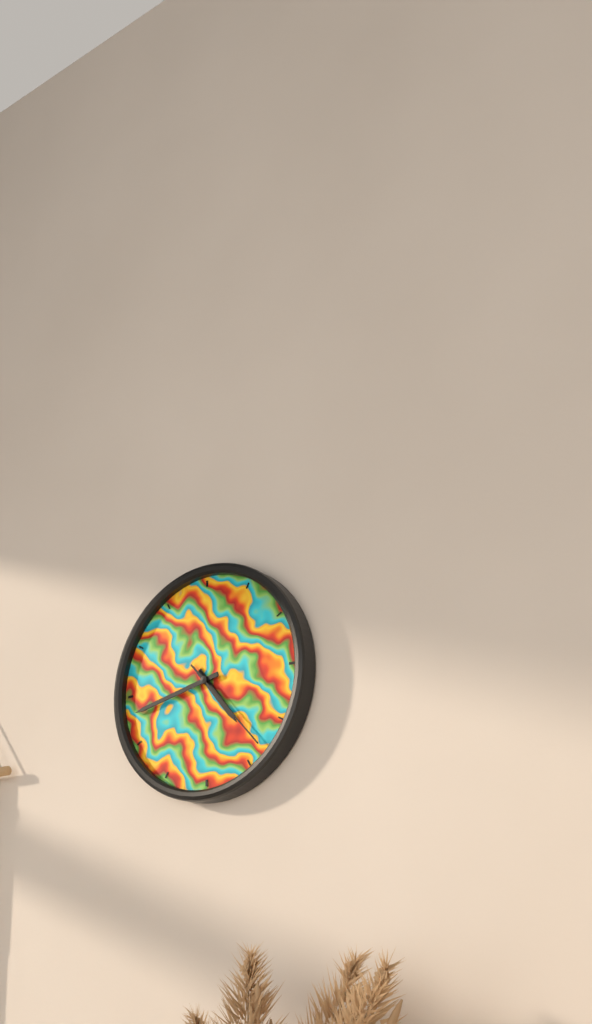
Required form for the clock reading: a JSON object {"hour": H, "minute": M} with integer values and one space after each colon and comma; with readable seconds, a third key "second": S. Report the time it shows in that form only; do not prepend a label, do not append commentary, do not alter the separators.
{"hour": 4, "minute": 43, "second": 23}
